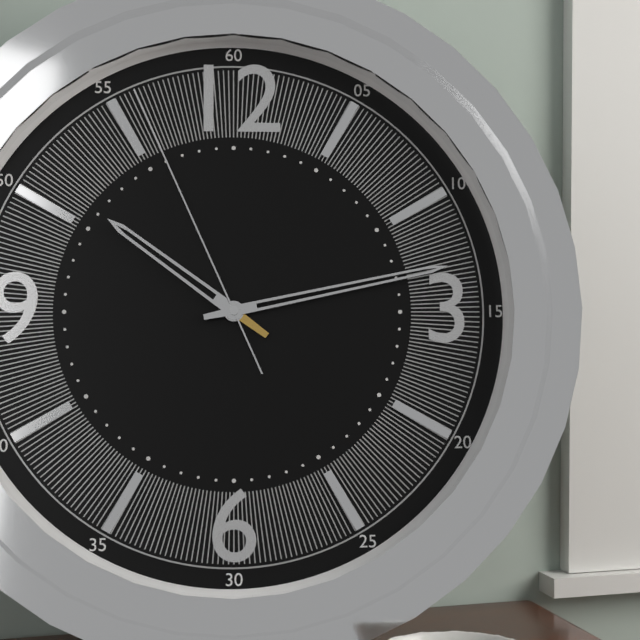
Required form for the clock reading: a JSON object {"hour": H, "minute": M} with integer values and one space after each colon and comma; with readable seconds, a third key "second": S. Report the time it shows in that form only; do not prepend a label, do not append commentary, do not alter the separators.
{"hour": 10, "minute": 13, "second": 56}
